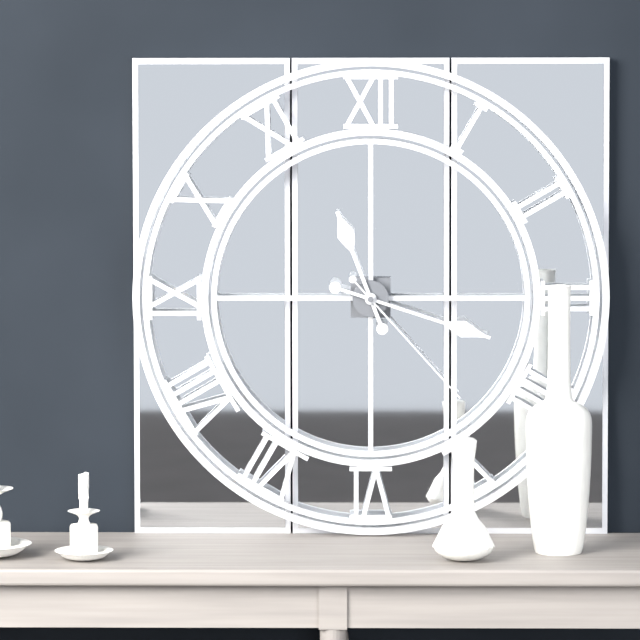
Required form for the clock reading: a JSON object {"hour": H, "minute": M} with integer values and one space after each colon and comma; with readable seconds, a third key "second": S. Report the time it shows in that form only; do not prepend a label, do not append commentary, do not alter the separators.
{"hour": 11, "minute": 18, "second": 23}
